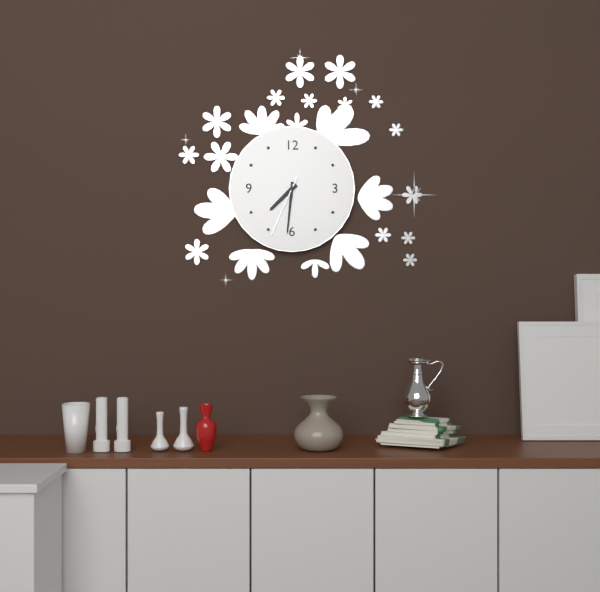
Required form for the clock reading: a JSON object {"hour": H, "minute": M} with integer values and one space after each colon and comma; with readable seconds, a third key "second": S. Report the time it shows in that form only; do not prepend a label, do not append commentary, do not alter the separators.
{"hour": 7, "minute": 31, "second": 34}
